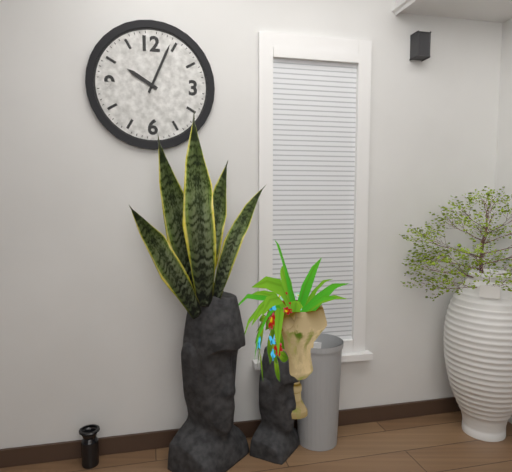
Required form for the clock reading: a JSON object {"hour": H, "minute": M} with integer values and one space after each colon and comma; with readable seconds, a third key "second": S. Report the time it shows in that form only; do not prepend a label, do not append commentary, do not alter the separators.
{"hour": 10, "minute": 4}
